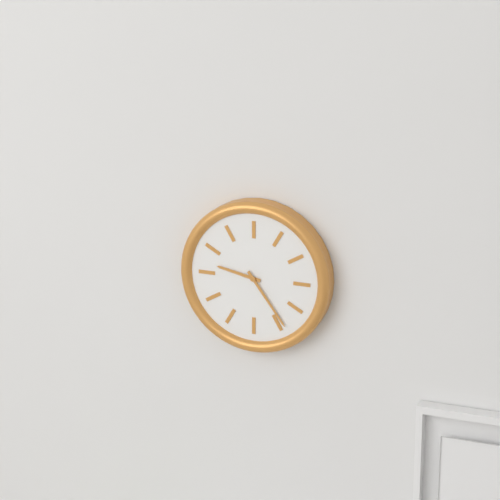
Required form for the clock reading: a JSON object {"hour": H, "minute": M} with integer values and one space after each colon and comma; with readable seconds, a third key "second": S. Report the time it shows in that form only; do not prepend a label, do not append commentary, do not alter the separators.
{"hour": 9, "minute": 24}
